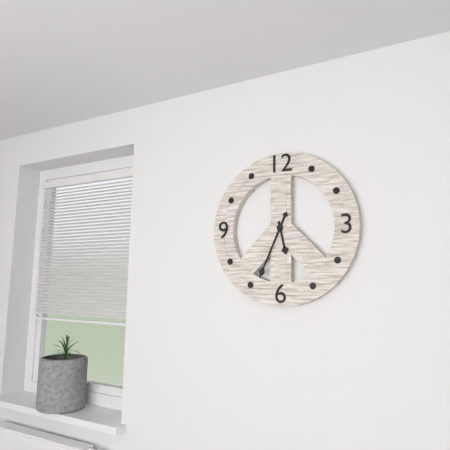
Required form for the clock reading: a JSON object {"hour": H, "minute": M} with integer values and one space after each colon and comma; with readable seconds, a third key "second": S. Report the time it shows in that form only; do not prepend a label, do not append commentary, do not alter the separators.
{"hour": 5, "minute": 34}
